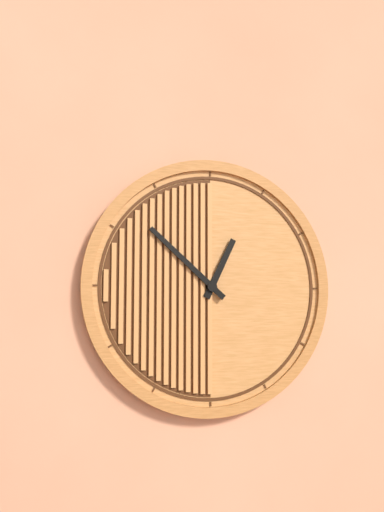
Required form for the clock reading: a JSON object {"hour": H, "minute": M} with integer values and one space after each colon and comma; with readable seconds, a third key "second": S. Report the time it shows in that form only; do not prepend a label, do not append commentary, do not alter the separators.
{"hour": 12, "minute": 52}
